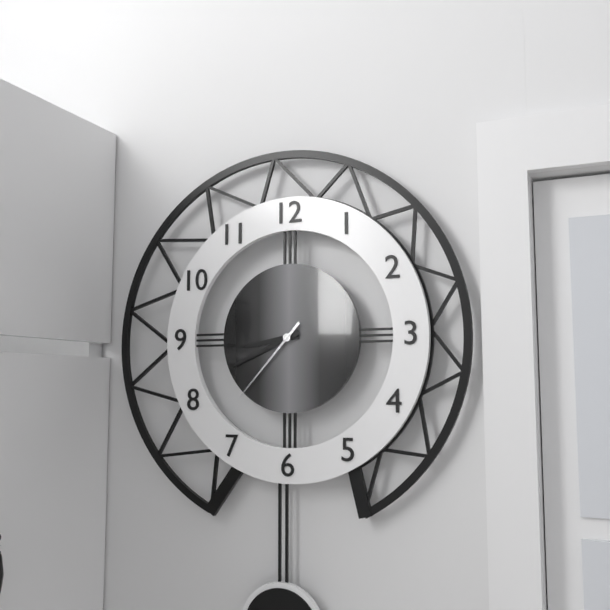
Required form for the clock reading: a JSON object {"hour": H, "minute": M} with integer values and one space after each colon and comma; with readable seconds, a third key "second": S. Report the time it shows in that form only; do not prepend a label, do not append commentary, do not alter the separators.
{"hour": 8, "minute": 41, "second": 37}
